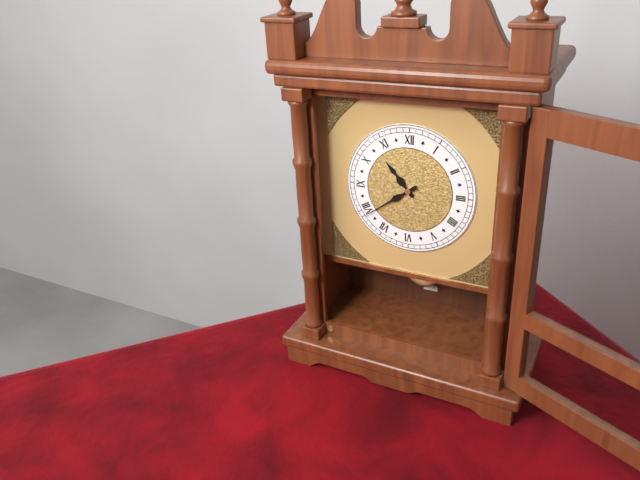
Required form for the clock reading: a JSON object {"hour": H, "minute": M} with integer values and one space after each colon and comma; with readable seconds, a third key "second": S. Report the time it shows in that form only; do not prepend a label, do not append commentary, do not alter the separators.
{"hour": 10, "minute": 39}
